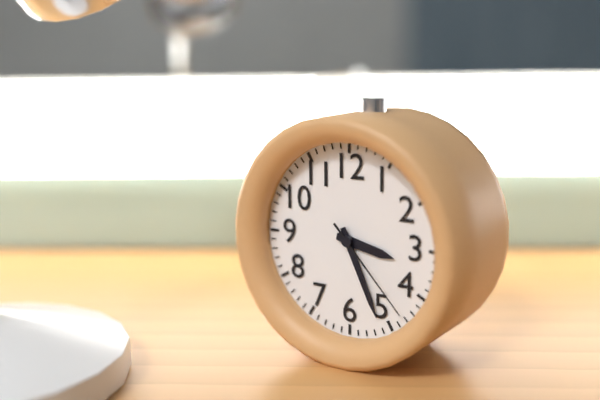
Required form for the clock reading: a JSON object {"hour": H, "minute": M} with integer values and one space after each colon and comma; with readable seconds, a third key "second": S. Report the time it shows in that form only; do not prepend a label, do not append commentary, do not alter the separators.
{"hour": 3, "minute": 26, "second": 23}
